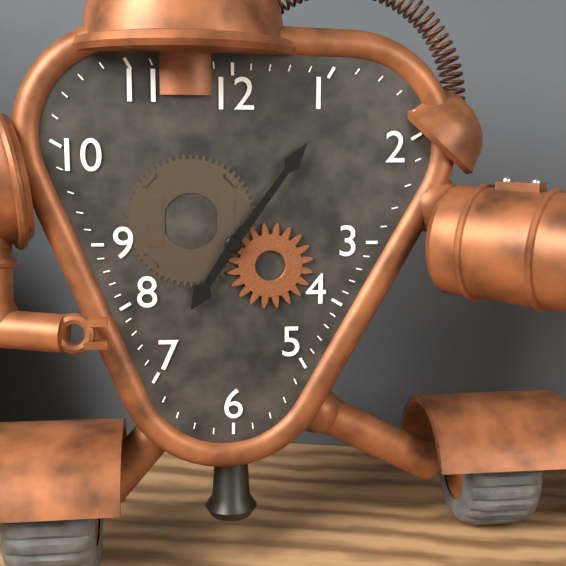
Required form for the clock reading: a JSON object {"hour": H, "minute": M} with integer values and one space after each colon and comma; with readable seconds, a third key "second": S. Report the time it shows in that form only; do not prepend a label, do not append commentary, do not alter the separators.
{"hour": 7, "minute": 6}
